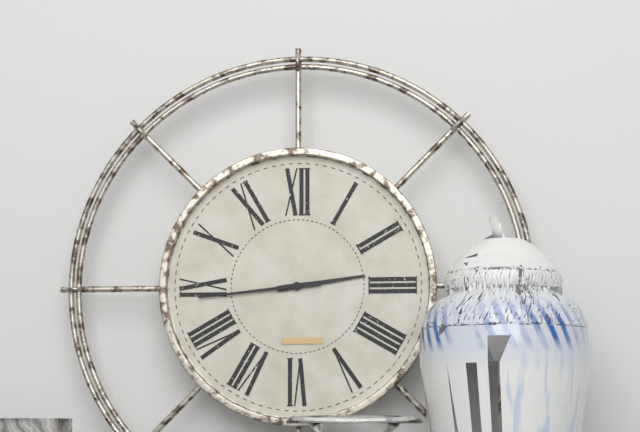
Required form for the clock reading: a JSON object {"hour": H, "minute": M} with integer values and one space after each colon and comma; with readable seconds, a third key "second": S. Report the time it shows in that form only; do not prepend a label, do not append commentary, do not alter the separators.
{"hour": 2, "minute": 44}
